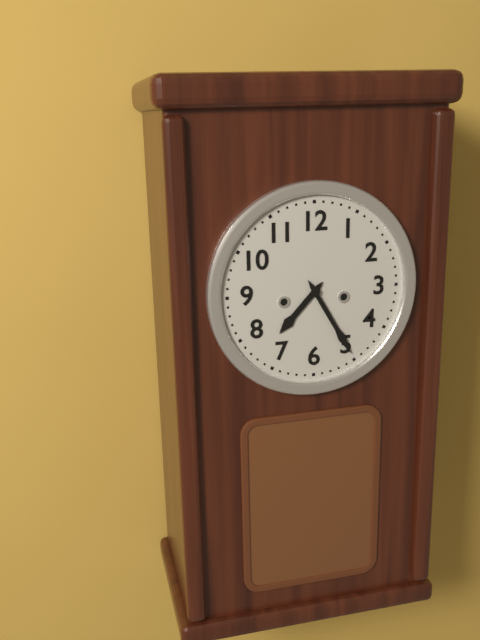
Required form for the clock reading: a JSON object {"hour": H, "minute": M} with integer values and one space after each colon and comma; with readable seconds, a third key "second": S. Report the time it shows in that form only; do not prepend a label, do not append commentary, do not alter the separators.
{"hour": 7, "minute": 25}
